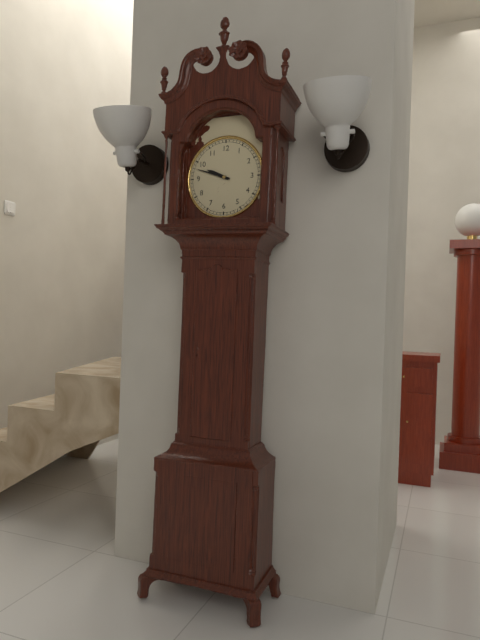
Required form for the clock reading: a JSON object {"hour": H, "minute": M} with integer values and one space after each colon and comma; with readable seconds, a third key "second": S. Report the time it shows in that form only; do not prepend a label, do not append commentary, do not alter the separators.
{"hour": 9, "minute": 48}
